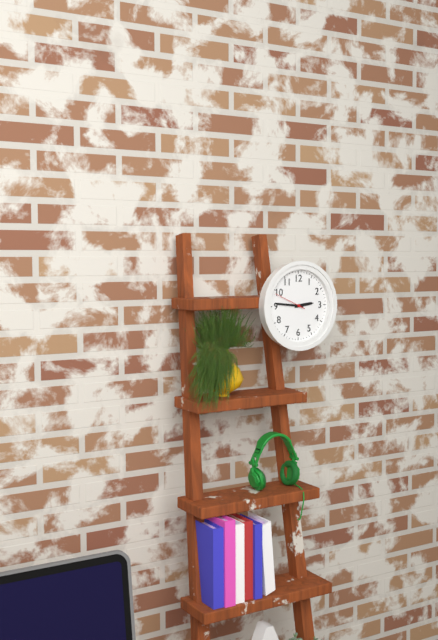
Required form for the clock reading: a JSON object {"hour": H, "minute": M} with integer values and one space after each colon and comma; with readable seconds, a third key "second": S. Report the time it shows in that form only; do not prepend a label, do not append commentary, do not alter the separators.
{"hour": 2, "minute": 46}
